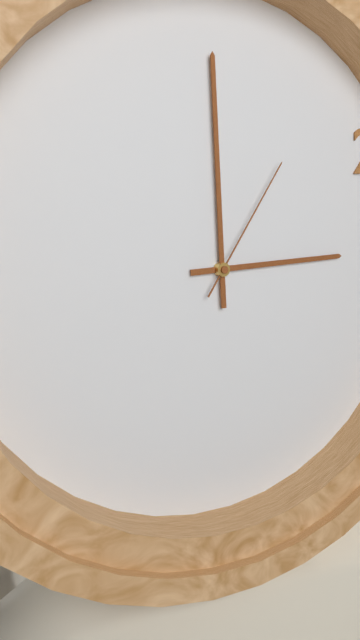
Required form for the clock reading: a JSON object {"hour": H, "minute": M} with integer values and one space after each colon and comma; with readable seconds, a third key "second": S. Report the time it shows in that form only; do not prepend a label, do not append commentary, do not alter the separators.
{"hour": 3, "minute": 0, "second": 6}
